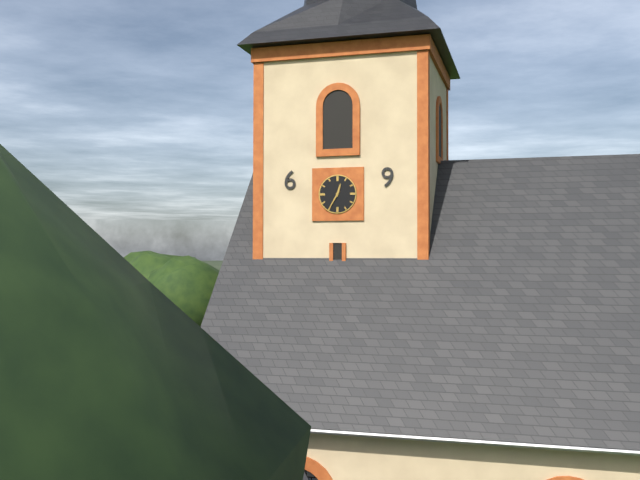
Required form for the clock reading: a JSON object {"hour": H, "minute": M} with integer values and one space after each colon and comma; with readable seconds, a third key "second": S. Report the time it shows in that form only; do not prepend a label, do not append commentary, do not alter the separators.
{"hour": 12, "minute": 35}
